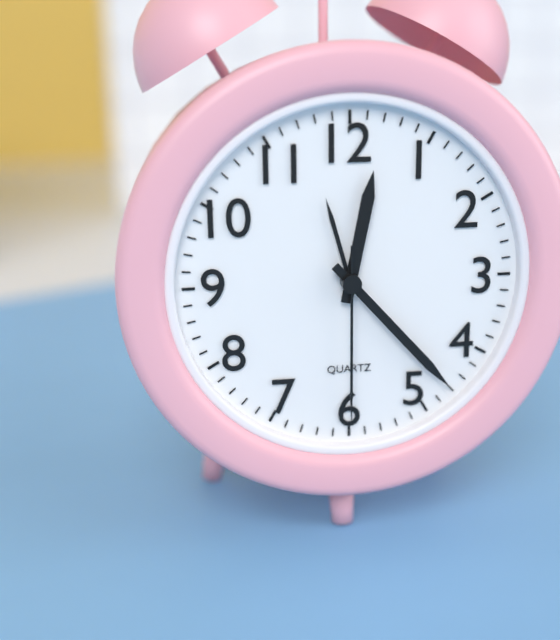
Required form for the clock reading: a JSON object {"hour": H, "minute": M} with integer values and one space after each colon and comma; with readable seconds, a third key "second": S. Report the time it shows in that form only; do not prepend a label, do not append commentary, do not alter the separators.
{"hour": 12, "minute": 23, "second": 30}
